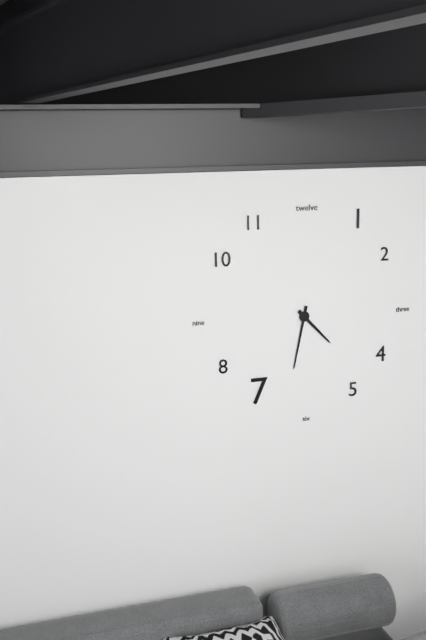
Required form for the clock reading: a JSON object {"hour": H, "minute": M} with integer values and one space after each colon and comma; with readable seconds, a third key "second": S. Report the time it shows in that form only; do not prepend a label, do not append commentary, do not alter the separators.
{"hour": 4, "minute": 32}
